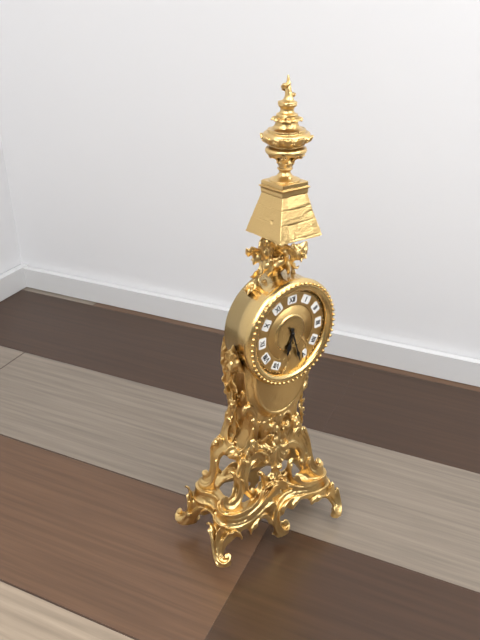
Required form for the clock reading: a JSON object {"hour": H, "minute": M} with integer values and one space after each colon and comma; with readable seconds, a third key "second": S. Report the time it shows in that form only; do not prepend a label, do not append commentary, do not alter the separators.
{"hour": 6, "minute": 27}
